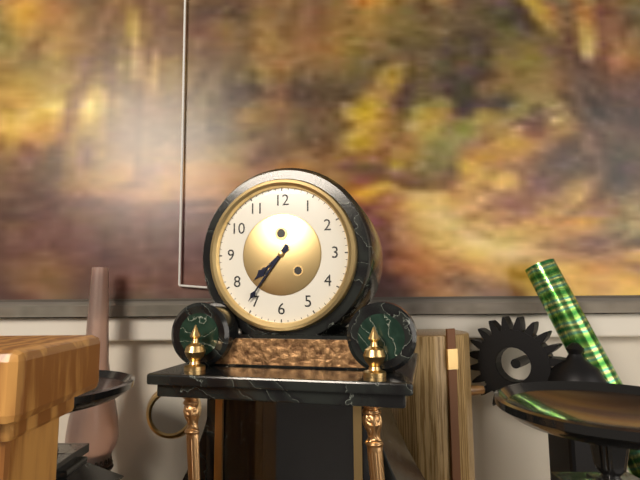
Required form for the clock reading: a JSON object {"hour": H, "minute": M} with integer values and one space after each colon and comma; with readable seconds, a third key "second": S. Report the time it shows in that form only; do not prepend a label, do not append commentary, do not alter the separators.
{"hour": 7, "minute": 36}
